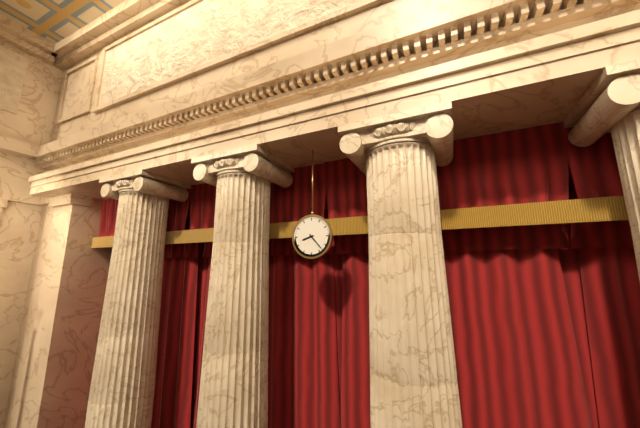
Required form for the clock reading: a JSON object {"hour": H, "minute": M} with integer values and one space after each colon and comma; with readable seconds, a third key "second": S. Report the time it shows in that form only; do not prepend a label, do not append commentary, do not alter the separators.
{"hour": 8, "minute": 23}
